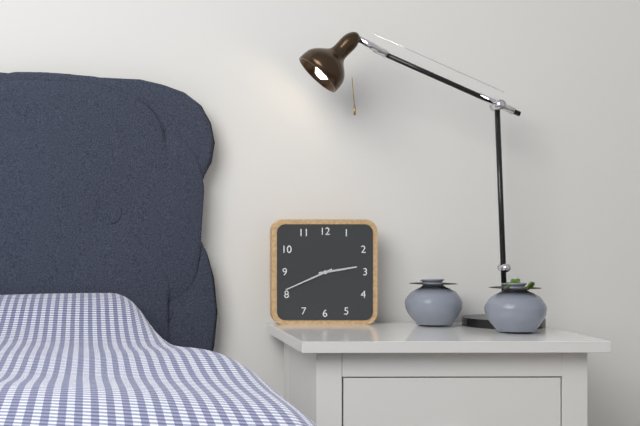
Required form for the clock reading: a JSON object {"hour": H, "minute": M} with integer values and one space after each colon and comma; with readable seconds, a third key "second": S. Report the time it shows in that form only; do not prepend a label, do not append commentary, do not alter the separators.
{"hour": 2, "minute": 41}
